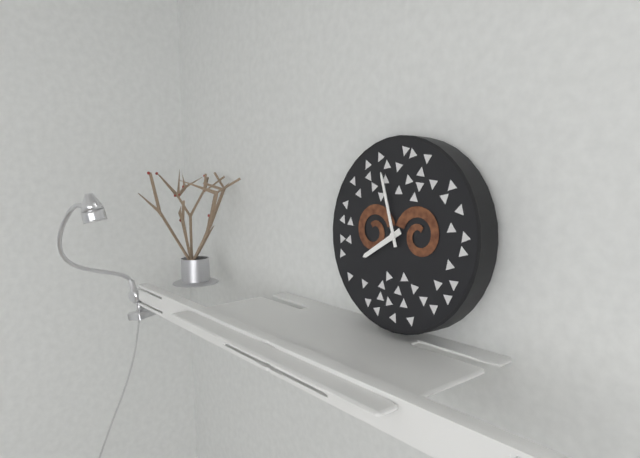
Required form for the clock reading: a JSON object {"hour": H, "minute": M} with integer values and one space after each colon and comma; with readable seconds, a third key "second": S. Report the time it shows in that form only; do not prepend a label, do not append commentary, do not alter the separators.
{"hour": 7, "minute": 57}
